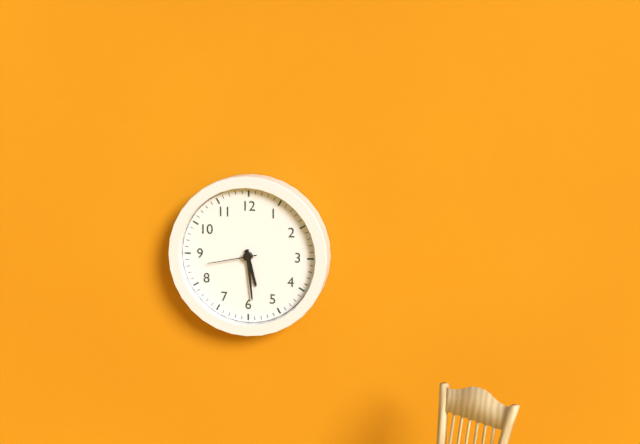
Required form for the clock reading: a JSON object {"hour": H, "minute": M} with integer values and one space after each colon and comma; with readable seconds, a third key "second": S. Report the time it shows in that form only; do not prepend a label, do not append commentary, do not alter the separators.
{"hour": 5, "minute": 29, "second": 43}
